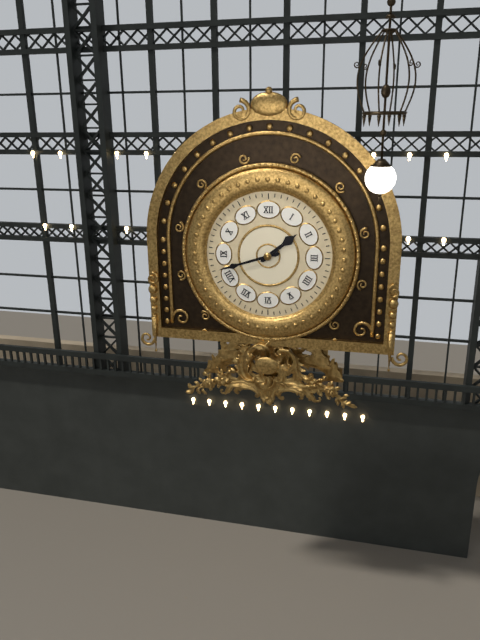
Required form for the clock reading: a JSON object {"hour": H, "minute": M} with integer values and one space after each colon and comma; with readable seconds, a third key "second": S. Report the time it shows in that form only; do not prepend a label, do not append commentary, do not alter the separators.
{"hour": 1, "minute": 42}
